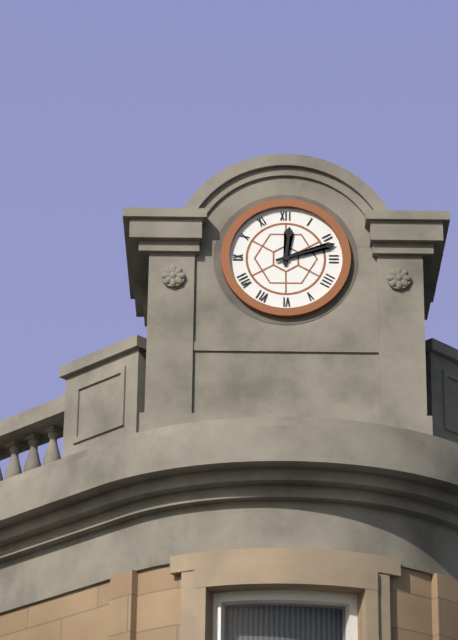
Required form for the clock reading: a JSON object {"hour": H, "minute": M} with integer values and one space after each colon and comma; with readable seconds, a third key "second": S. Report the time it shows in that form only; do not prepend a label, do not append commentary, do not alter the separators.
{"hour": 12, "minute": 12}
